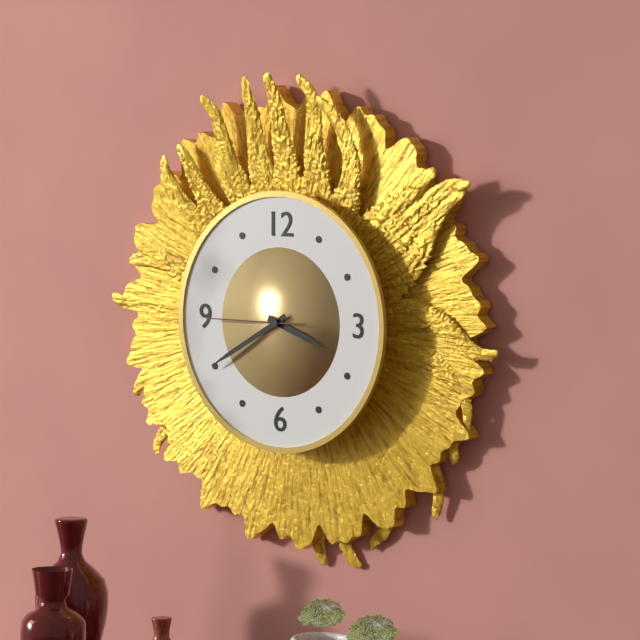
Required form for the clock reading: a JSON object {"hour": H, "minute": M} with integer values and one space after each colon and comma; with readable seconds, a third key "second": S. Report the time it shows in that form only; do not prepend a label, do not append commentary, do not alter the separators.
{"hour": 3, "minute": 40, "second": 45}
